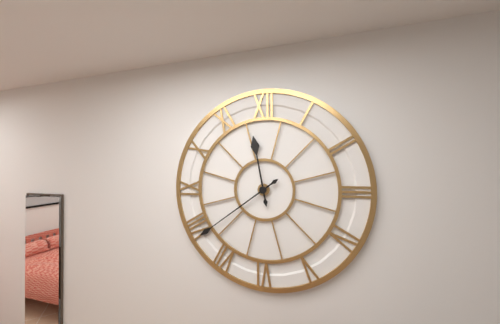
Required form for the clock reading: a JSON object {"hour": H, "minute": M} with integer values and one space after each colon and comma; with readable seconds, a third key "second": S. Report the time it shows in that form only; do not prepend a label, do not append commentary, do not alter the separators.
{"hour": 11, "minute": 39}
